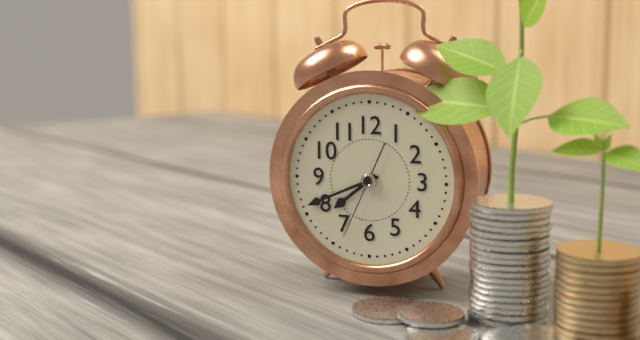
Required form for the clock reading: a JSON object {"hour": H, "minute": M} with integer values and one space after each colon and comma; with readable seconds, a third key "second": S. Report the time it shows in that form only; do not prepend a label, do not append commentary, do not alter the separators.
{"hour": 7, "minute": 41, "second": 34}
